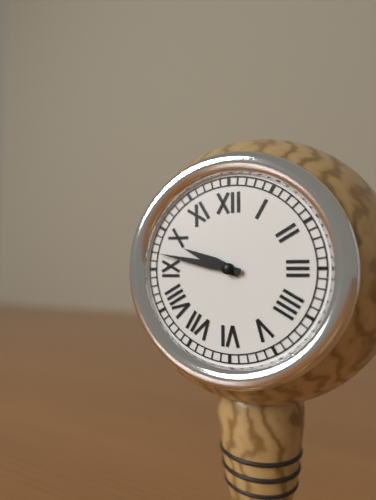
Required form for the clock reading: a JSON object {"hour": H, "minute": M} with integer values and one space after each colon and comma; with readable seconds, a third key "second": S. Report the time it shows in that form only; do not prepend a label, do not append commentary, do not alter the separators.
{"hour": 9, "minute": 47}
